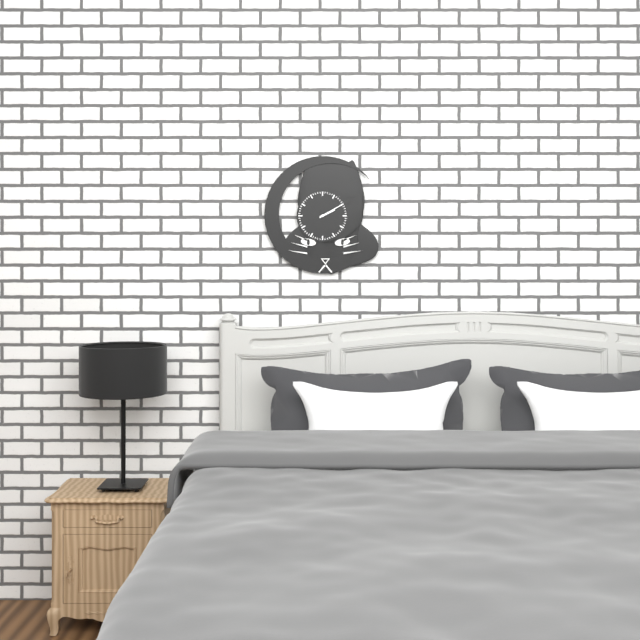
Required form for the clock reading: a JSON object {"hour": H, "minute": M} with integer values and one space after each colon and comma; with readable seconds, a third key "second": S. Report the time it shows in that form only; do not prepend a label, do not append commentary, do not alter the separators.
{"hour": 2, "minute": 10}
